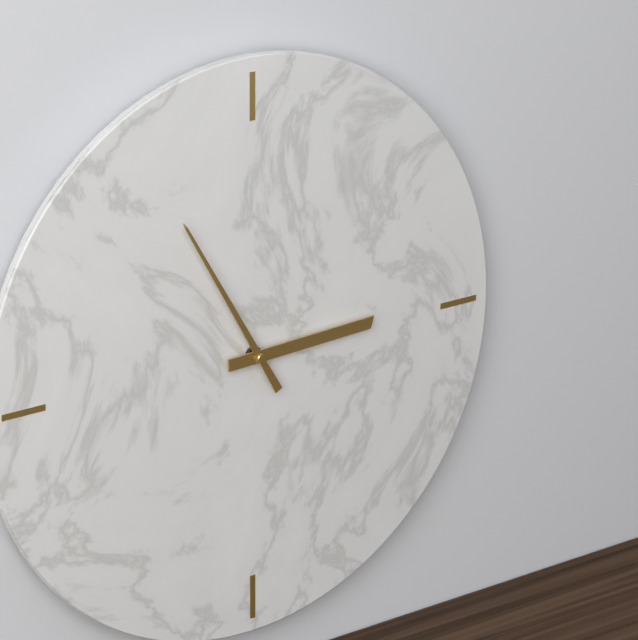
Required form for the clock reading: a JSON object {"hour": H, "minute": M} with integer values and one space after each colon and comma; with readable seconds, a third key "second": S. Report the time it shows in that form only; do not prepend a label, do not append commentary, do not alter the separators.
{"hour": 2, "minute": 55}
